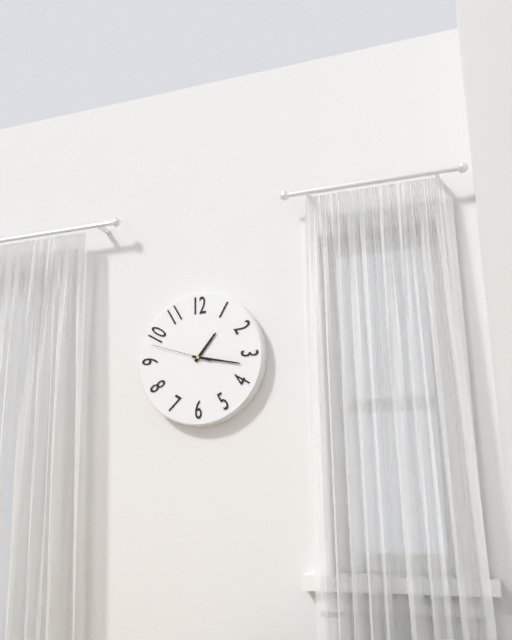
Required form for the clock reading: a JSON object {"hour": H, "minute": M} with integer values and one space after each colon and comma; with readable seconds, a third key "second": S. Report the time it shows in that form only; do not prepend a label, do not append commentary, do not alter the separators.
{"hour": 1, "minute": 17, "second": 48}
